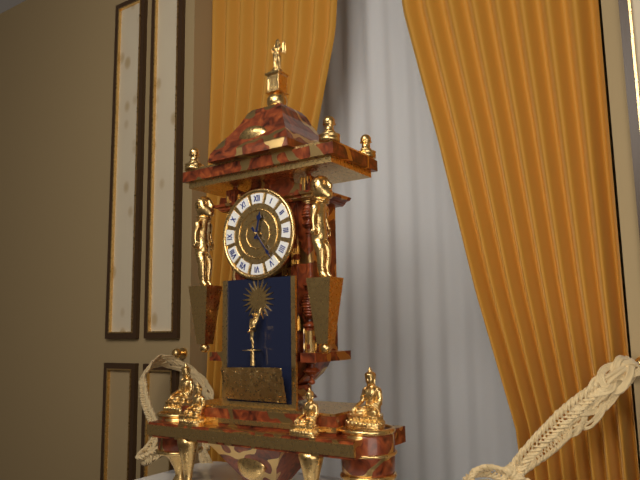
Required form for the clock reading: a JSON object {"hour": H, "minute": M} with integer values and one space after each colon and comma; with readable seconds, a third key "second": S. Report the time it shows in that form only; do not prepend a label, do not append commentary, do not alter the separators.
{"hour": 12, "minute": 24}
